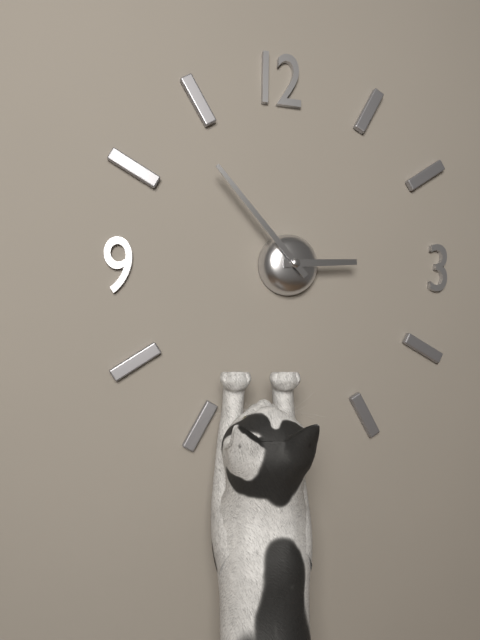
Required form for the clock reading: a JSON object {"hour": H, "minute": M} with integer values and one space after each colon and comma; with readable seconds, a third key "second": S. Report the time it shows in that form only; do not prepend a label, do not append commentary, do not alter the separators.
{"hour": 2, "minute": 53}
